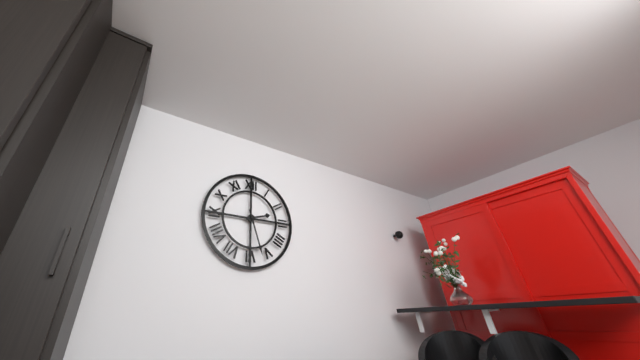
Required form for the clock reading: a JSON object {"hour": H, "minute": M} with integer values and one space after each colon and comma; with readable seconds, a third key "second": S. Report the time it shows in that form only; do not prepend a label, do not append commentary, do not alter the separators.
{"hour": 2, "minute": 27}
